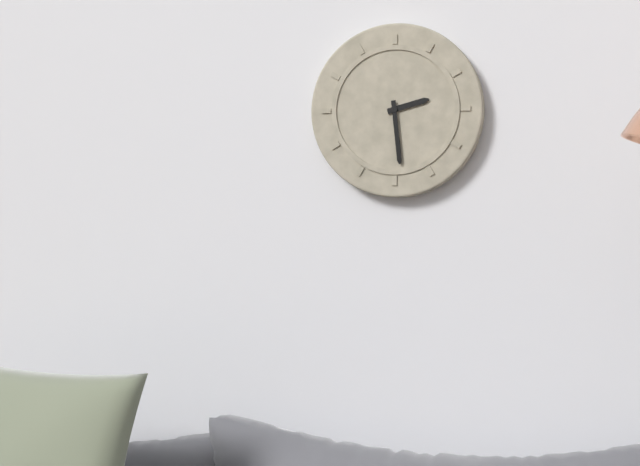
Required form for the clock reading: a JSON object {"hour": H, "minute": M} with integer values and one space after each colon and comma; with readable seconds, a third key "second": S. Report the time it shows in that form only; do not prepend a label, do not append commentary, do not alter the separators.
{"hour": 2, "minute": 29}
